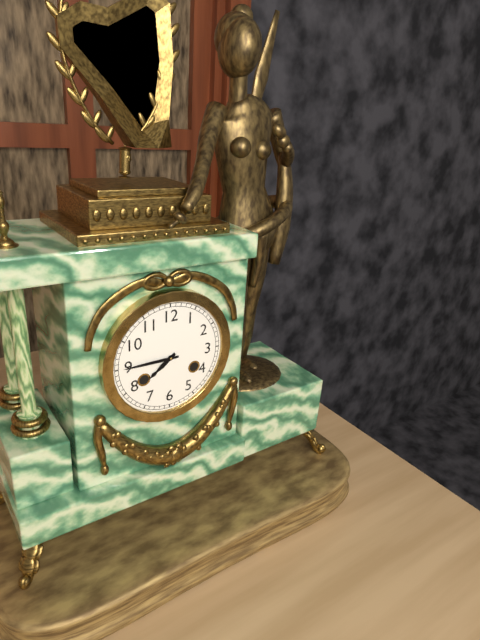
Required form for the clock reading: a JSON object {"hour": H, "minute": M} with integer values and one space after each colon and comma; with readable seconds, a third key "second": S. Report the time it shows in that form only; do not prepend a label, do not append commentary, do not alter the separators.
{"hour": 7, "minute": 45}
